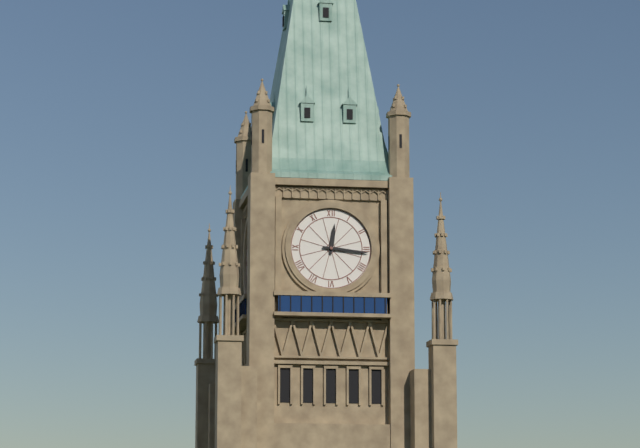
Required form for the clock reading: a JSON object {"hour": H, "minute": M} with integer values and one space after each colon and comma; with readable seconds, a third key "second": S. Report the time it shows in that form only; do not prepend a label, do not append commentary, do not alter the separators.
{"hour": 12, "minute": 16}
